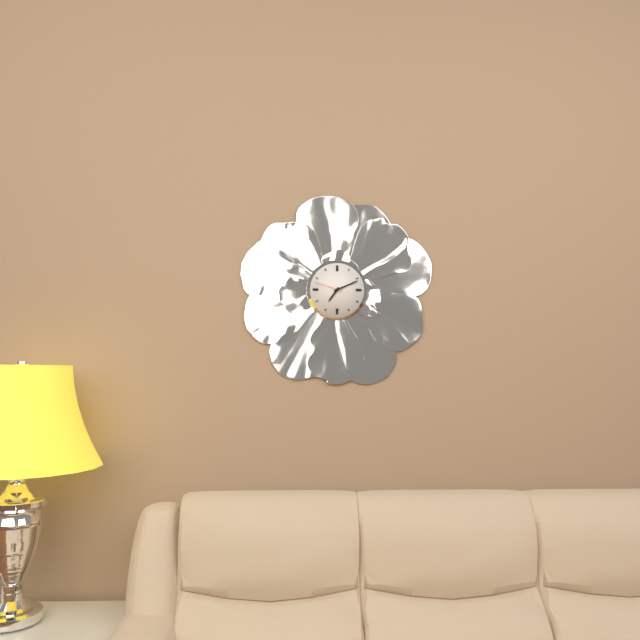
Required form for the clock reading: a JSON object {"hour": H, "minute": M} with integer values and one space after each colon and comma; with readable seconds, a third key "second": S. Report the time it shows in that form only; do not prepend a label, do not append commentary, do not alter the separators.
{"hour": 7, "minute": 11}
